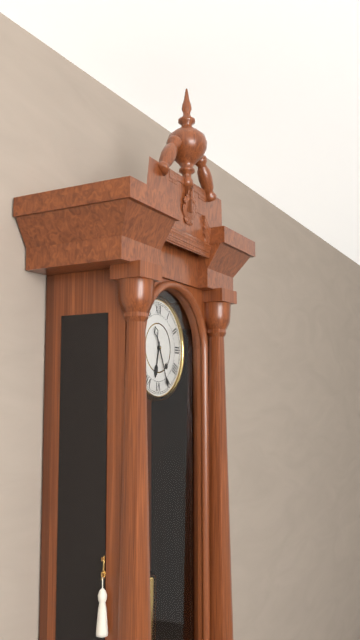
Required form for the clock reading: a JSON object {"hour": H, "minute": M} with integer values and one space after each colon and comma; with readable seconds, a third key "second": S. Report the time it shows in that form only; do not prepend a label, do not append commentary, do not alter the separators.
{"hour": 6, "minute": 26}
